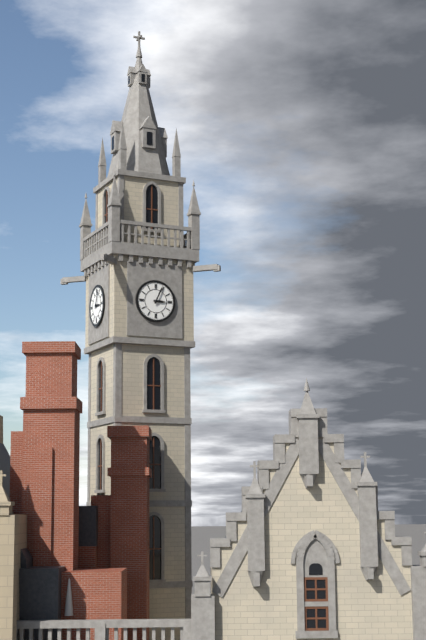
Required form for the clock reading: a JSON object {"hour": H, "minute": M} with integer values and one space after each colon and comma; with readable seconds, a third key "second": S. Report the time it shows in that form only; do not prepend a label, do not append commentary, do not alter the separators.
{"hour": 3, "minute": 4}
